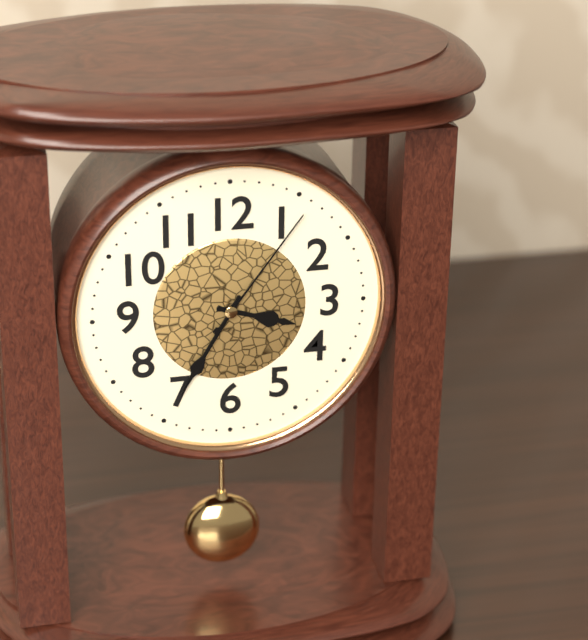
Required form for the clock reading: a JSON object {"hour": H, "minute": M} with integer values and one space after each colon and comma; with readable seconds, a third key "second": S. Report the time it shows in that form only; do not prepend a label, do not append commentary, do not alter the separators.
{"hour": 3, "minute": 35, "second": 6}
